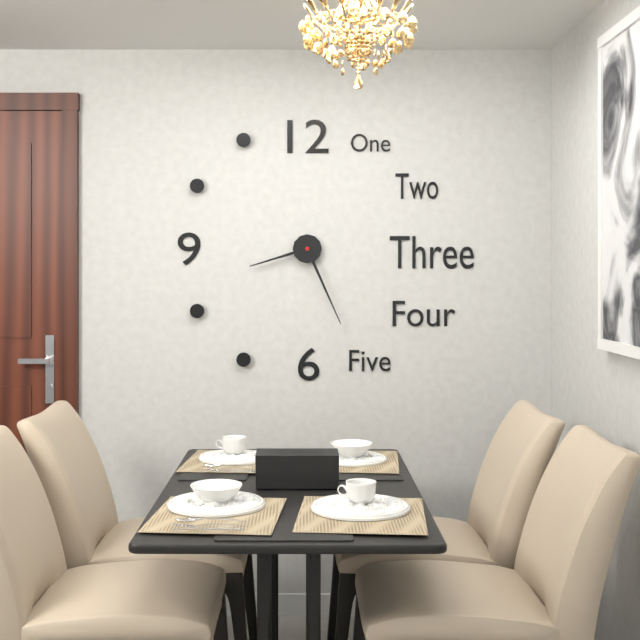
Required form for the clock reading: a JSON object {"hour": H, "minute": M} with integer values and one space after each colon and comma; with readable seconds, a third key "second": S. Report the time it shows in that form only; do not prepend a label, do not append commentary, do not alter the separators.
{"hour": 8, "minute": 26}
